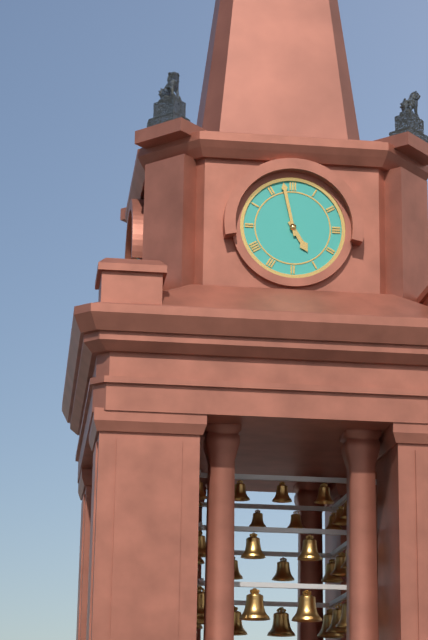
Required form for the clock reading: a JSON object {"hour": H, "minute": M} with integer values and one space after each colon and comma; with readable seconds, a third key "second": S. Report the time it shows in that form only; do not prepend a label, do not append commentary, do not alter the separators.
{"hour": 4, "minute": 58}
